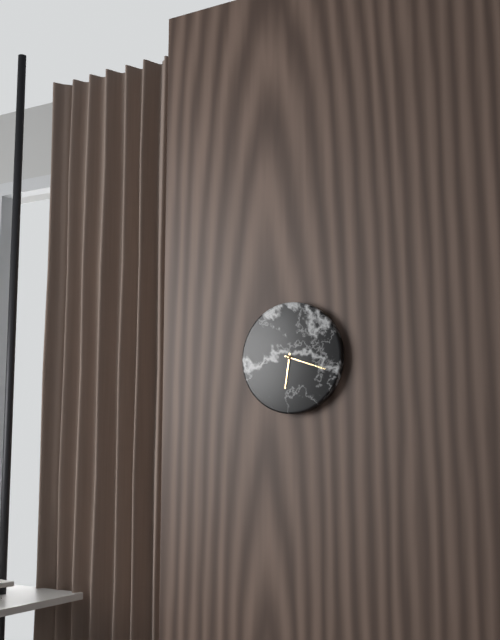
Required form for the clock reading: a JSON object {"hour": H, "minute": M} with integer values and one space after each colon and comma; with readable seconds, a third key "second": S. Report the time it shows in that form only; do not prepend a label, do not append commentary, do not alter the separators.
{"hour": 6, "minute": 18}
